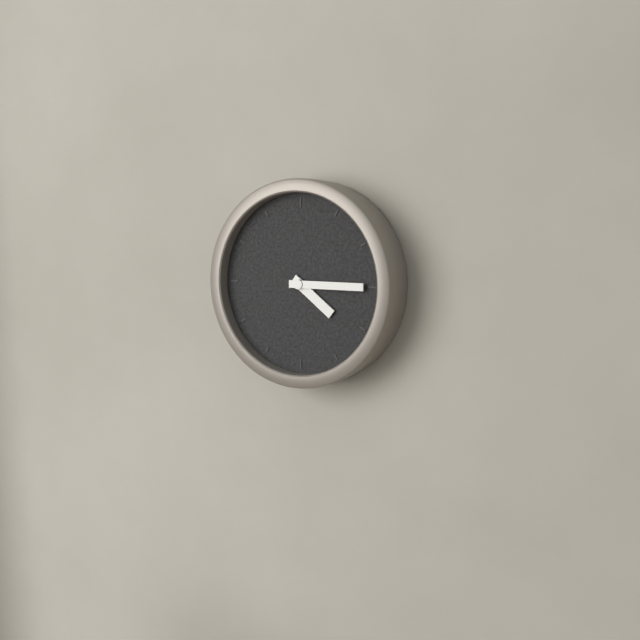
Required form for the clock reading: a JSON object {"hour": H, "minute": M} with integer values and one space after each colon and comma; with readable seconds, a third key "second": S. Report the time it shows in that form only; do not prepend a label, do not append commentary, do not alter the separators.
{"hour": 4, "minute": 15}
